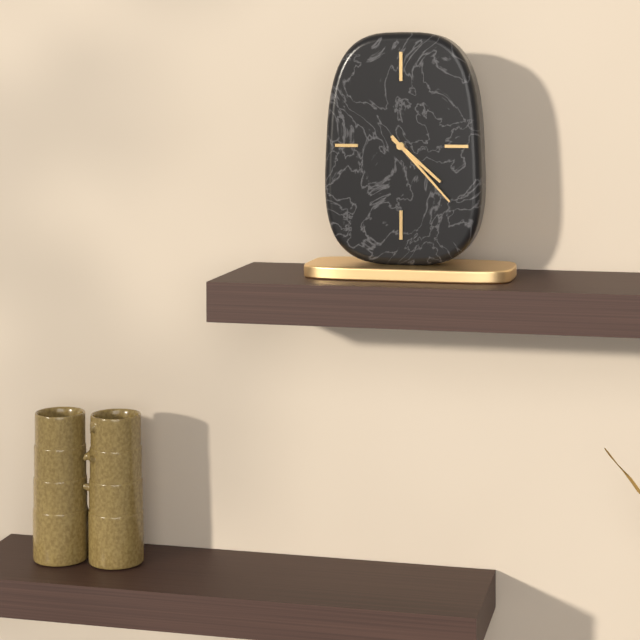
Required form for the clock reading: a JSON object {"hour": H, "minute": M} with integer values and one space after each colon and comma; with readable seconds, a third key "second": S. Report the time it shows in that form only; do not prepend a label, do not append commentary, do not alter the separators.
{"hour": 4, "minute": 23}
